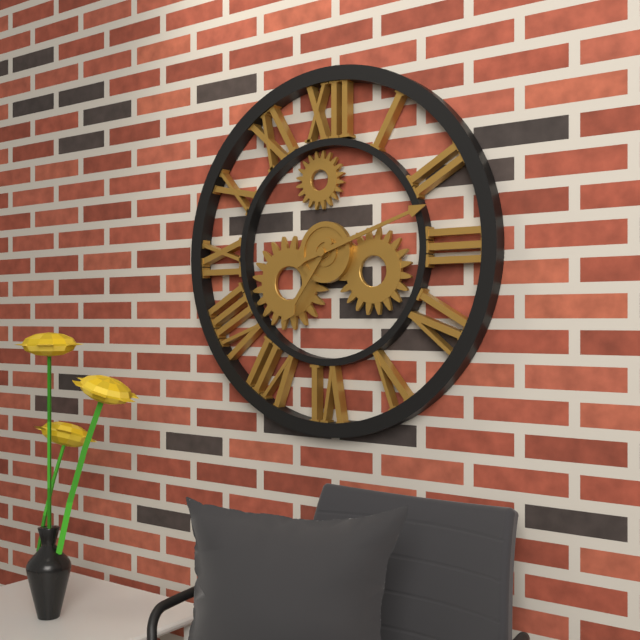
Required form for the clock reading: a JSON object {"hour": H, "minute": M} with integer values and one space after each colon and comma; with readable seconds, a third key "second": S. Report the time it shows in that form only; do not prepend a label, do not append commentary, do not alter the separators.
{"hour": 7, "minute": 12}
